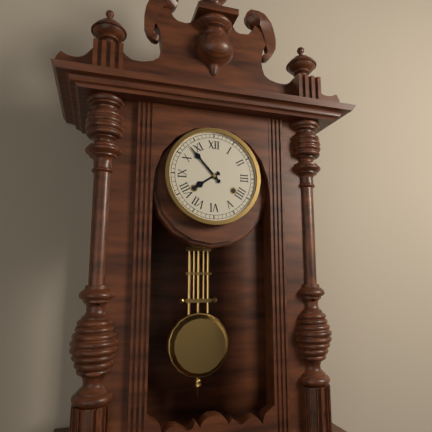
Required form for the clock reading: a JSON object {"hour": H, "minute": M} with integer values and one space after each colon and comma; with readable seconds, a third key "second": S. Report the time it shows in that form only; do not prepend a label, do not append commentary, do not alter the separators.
{"hour": 7, "minute": 53}
